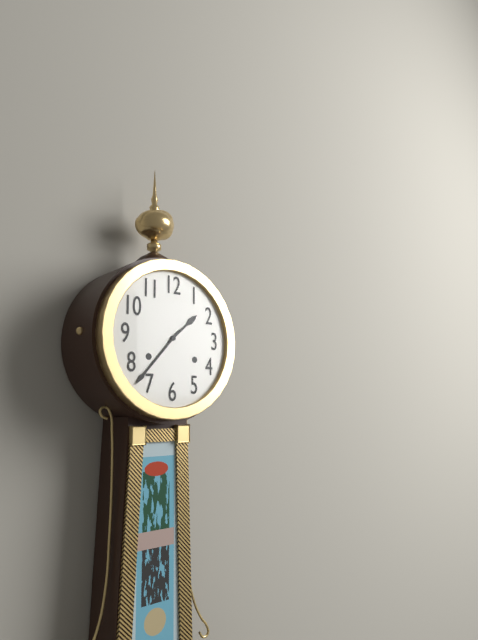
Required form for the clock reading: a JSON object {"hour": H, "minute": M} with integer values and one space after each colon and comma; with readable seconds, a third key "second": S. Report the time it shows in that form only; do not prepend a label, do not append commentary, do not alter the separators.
{"hour": 1, "minute": 37}
